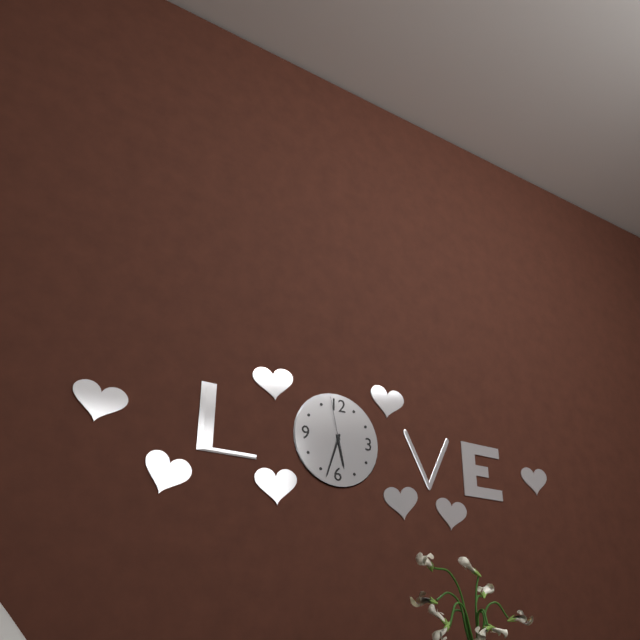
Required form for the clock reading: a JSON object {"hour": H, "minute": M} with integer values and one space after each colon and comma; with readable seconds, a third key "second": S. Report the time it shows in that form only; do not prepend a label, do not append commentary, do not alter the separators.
{"hour": 5, "minute": 33, "second": 58}
